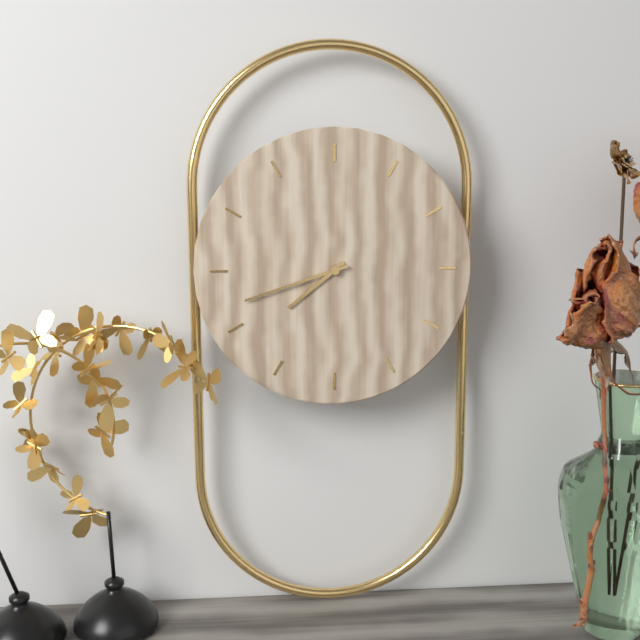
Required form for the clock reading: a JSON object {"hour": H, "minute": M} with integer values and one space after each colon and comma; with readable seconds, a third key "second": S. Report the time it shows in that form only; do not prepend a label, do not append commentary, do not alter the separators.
{"hour": 7, "minute": 42}
